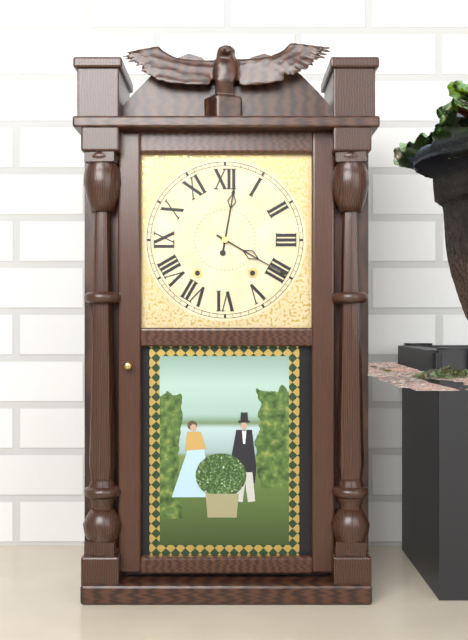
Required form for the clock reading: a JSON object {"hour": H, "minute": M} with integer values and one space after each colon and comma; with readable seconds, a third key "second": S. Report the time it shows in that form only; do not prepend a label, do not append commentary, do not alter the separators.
{"hour": 12, "minute": 20}
